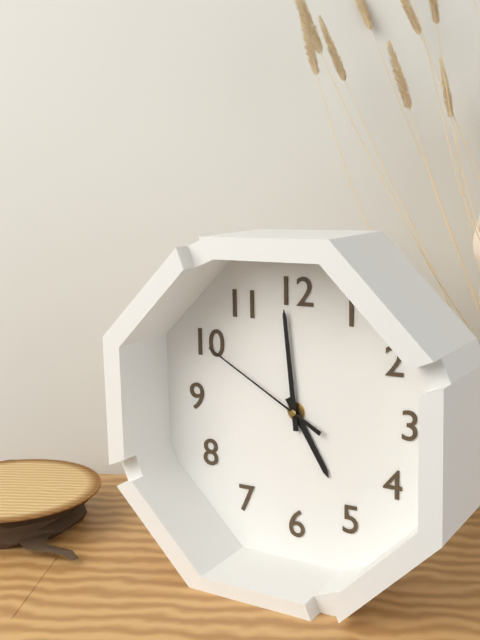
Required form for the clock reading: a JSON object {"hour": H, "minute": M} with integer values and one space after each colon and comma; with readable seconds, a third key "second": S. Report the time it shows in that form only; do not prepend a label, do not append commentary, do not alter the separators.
{"hour": 4, "minute": 59, "second": 50}
